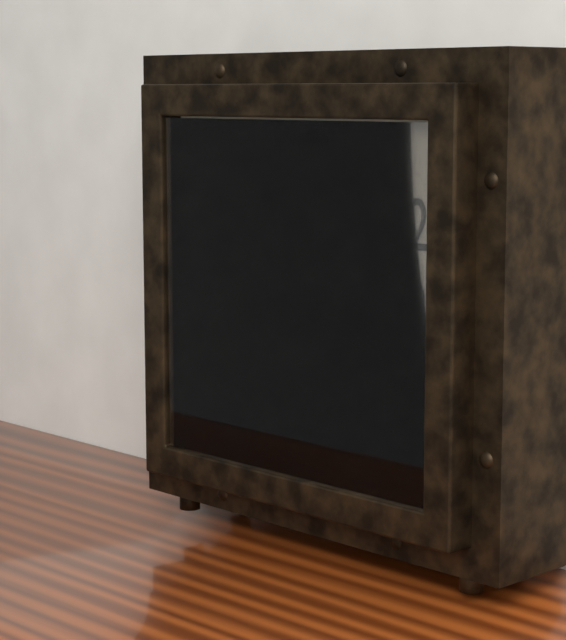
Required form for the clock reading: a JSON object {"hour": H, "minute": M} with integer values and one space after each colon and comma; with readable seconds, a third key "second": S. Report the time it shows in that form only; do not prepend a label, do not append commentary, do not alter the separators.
{"hour": 5, "minute": 55}
